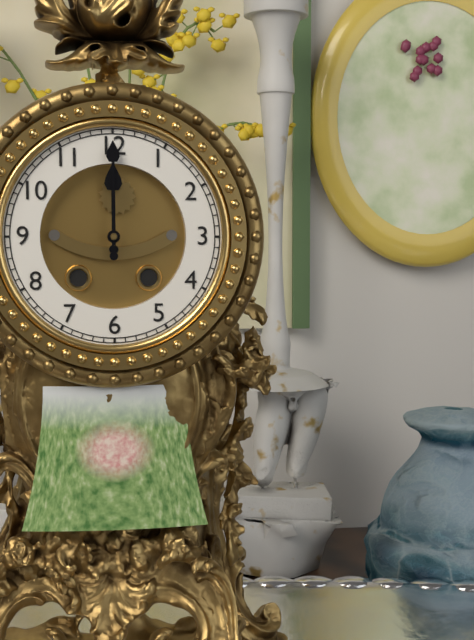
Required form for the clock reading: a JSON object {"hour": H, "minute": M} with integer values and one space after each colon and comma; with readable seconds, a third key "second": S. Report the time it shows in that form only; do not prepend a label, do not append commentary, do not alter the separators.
{"hour": 12, "minute": 0}
